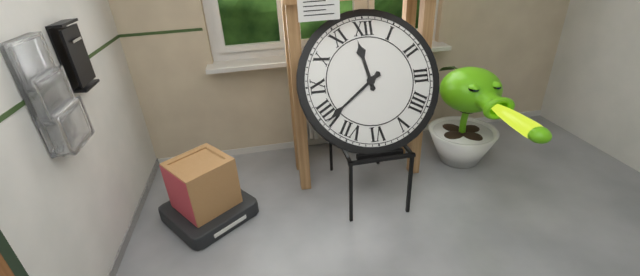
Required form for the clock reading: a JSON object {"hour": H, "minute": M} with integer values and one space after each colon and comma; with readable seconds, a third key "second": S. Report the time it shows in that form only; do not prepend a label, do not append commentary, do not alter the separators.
{"hour": 11, "minute": 39}
